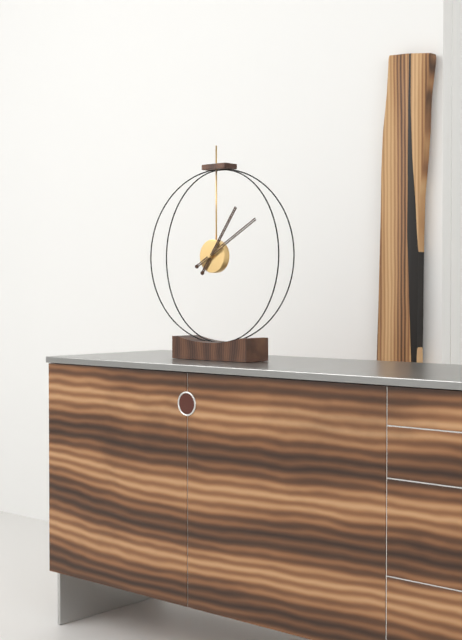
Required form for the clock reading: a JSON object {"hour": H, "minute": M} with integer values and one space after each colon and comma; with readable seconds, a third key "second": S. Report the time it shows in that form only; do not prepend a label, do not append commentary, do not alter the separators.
{"hour": 1, "minute": 10}
